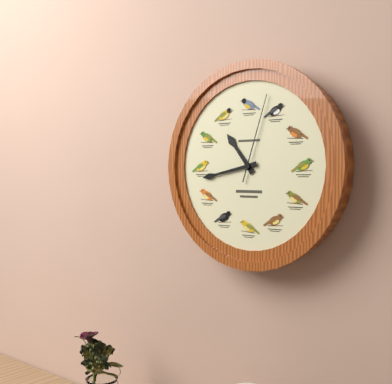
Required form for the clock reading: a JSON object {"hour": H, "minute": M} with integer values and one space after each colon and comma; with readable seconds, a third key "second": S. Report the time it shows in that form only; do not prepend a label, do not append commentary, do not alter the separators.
{"hour": 10, "minute": 43, "second": 3}
